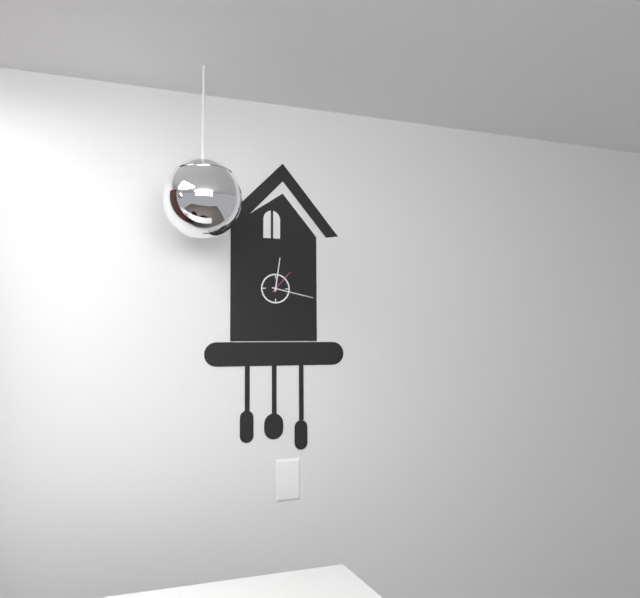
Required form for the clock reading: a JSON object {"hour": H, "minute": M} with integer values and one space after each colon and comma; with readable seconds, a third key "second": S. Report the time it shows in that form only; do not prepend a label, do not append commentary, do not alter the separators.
{"hour": 12, "minute": 17}
